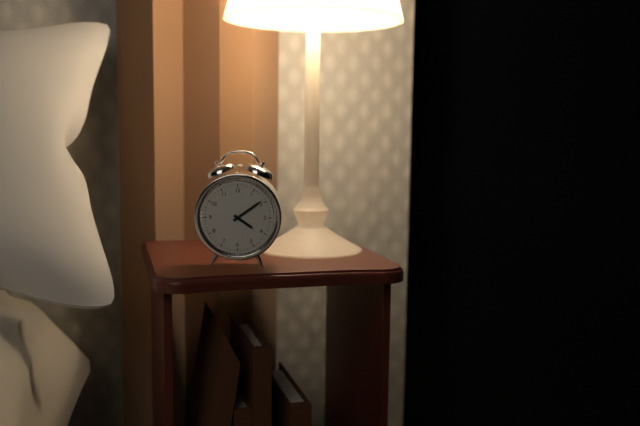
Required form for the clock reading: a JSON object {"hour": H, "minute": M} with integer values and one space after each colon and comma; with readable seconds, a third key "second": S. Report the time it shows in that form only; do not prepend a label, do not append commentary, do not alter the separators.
{"hour": 4, "minute": 9}
